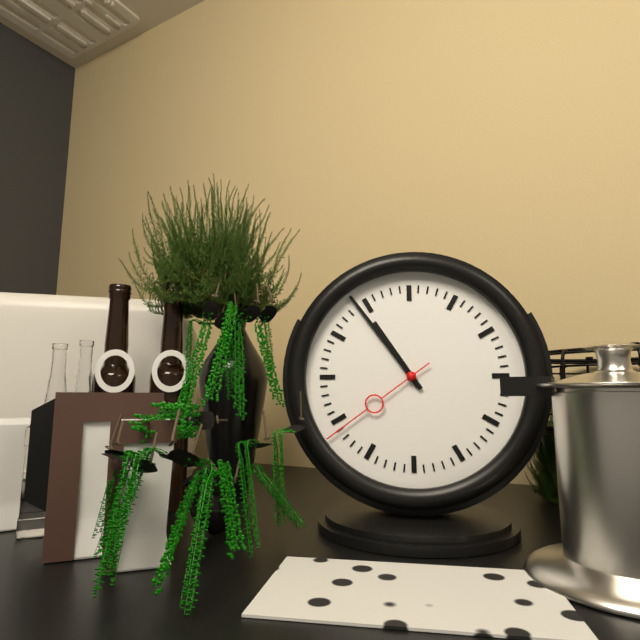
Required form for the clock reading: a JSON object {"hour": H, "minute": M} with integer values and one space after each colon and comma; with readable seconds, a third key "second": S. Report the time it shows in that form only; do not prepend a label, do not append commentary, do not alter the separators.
{"hour": 10, "minute": 54, "second": 39}
